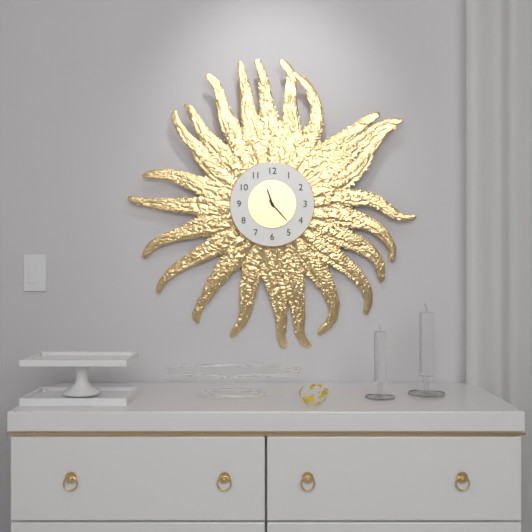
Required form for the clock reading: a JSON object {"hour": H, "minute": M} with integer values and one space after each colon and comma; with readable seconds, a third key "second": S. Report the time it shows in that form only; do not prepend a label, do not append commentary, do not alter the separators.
{"hour": 11, "minute": 23}
